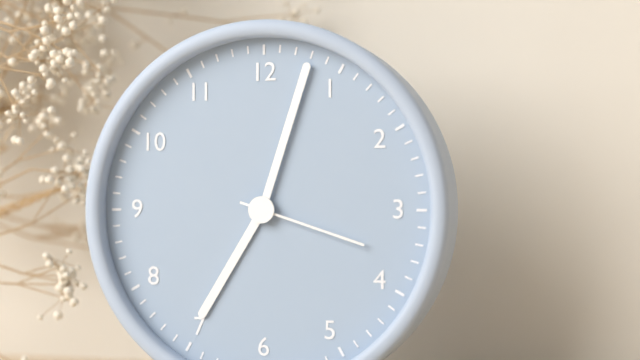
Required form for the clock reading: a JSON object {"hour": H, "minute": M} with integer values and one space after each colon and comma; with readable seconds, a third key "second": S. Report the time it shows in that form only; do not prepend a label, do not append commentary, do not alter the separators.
{"hour": 7, "minute": 3, "second": 18}
